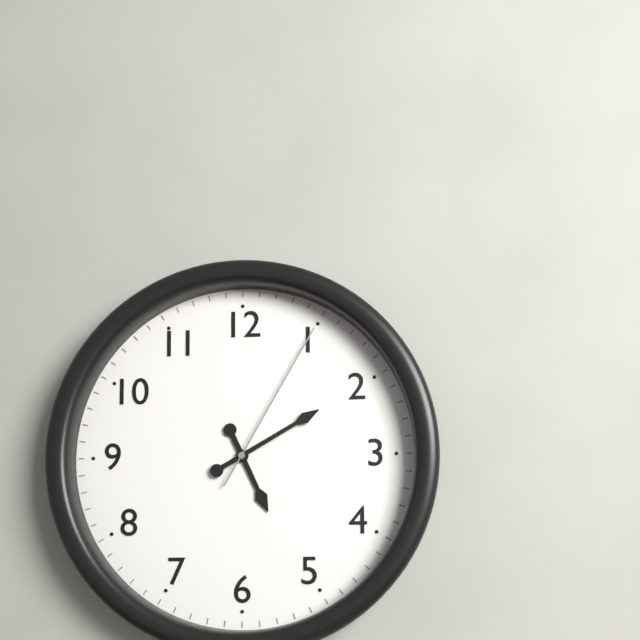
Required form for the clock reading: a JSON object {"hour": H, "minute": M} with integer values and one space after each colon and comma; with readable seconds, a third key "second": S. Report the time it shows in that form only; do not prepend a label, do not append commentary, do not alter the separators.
{"hour": 5, "minute": 10, "second": 5}
